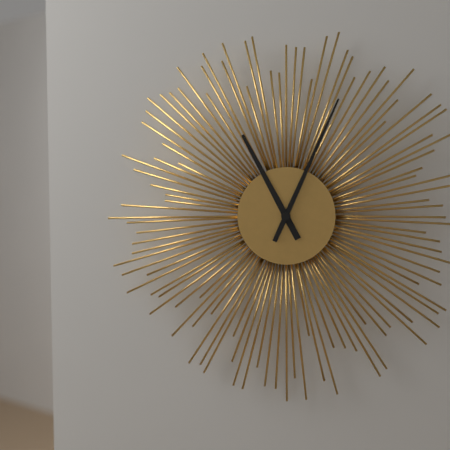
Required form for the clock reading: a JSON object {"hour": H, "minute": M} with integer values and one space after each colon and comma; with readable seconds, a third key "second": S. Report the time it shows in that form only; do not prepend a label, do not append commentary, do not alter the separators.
{"hour": 11, "minute": 4}
